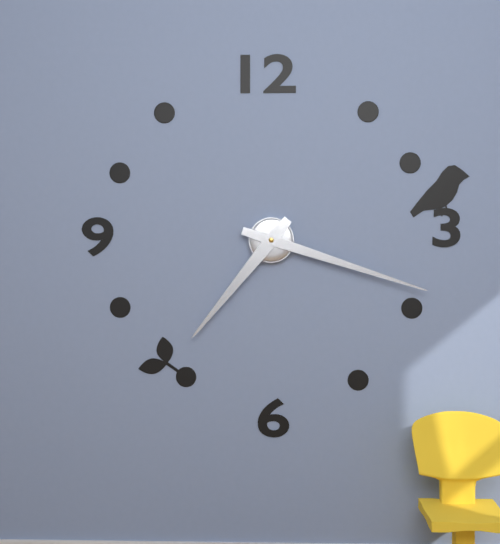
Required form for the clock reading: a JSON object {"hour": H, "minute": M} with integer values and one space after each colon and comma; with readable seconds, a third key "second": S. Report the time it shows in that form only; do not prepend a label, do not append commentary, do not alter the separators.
{"hour": 7, "minute": 18}
